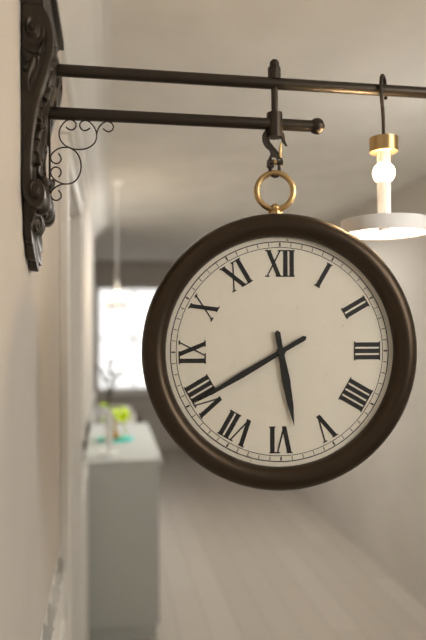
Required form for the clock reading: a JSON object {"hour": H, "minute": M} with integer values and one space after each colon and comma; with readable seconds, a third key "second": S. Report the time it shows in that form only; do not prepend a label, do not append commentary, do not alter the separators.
{"hour": 5, "minute": 40}
